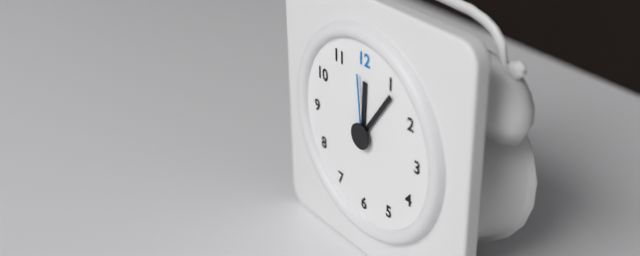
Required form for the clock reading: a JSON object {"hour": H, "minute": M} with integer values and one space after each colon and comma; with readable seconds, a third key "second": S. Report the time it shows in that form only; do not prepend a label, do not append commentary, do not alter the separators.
{"hour": 12, "minute": 6, "second": 59}
